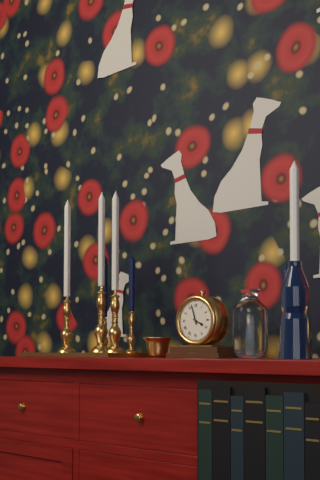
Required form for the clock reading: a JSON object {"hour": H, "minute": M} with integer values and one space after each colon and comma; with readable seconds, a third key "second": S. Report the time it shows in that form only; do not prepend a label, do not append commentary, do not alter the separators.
{"hour": 3, "minute": 57}
